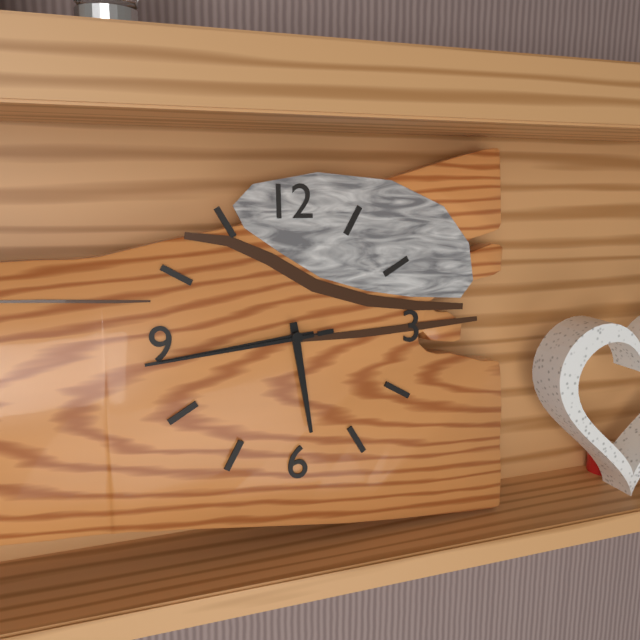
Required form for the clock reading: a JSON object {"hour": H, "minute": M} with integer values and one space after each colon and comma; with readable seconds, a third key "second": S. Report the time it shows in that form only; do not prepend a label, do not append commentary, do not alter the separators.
{"hour": 5, "minute": 44, "second": 44}
